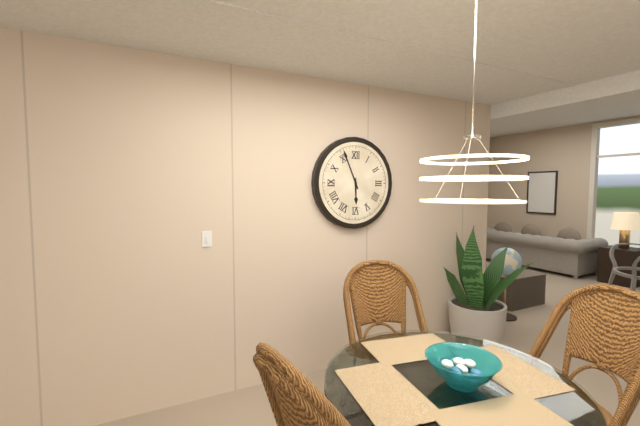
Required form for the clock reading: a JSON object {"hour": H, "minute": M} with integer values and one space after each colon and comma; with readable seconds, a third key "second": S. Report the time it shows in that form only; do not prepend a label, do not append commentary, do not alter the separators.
{"hour": 5, "minute": 56}
